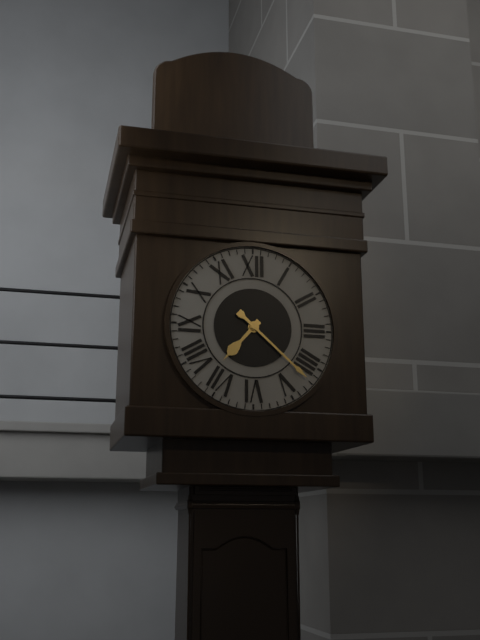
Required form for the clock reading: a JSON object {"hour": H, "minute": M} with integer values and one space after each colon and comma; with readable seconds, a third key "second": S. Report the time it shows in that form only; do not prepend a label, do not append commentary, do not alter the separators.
{"hour": 7, "minute": 22}
